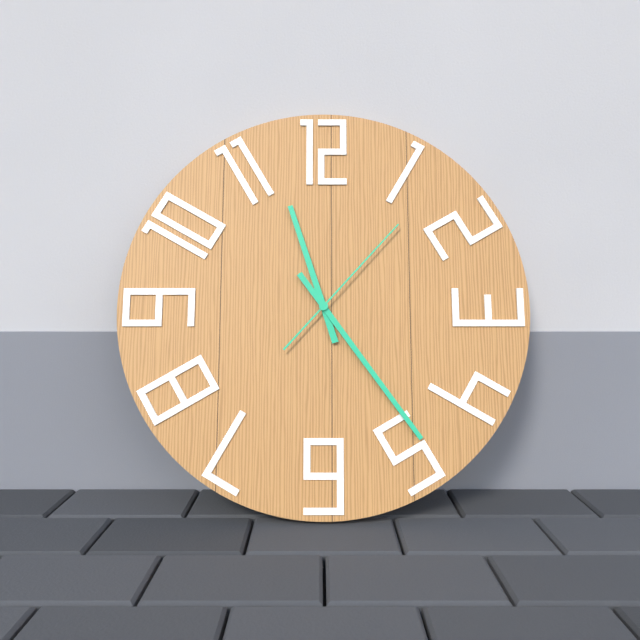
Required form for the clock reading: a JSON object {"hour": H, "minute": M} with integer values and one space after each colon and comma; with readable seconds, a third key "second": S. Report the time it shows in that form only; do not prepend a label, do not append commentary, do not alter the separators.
{"hour": 11, "minute": 24, "second": 7}
